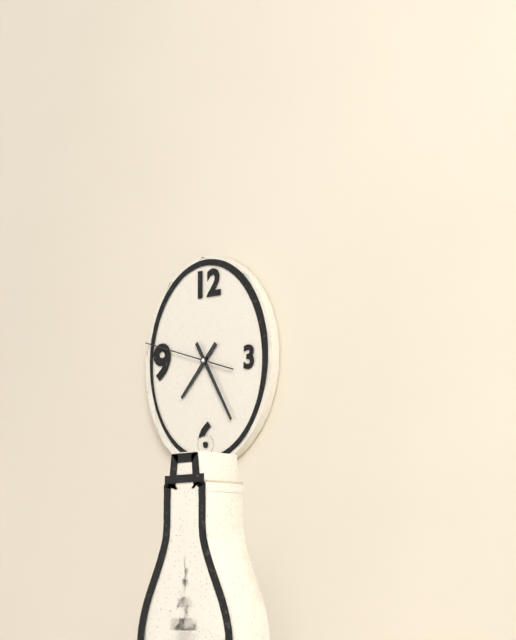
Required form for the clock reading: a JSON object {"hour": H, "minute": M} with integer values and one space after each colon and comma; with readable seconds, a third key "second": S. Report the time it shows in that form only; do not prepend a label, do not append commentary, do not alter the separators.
{"hour": 7, "minute": 25, "second": 48}
